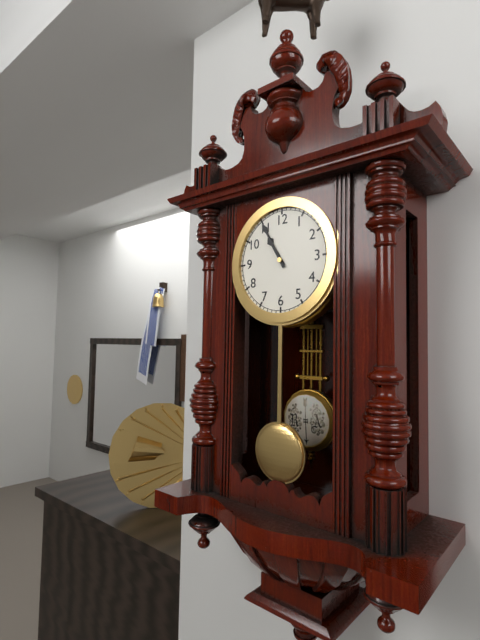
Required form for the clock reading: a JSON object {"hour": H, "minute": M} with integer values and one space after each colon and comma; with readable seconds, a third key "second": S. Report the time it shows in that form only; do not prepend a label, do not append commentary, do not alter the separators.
{"hour": 10, "minute": 55}
